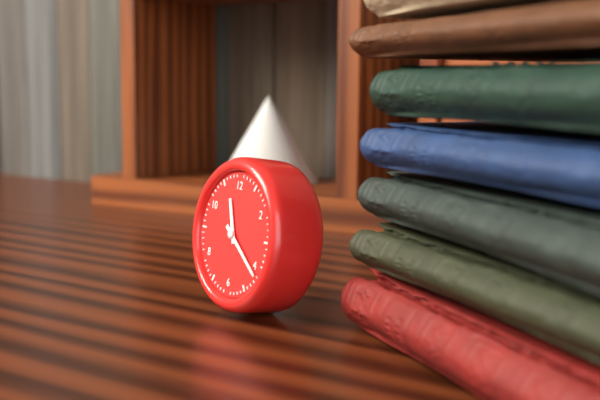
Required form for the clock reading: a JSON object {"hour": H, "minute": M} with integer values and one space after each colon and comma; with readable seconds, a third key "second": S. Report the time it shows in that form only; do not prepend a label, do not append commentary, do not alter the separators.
{"hour": 11, "minute": 21}
